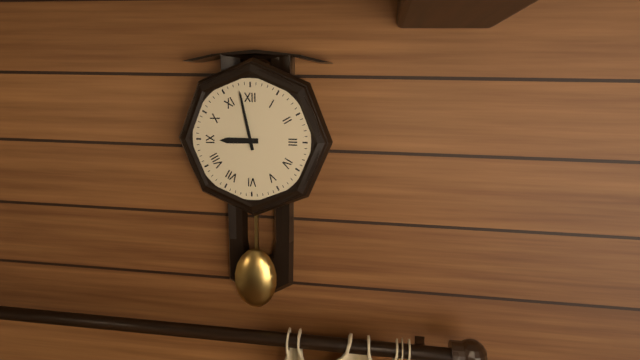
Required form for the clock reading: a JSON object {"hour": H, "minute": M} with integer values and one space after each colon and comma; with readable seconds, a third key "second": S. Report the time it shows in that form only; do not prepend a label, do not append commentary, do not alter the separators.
{"hour": 8, "minute": 58}
